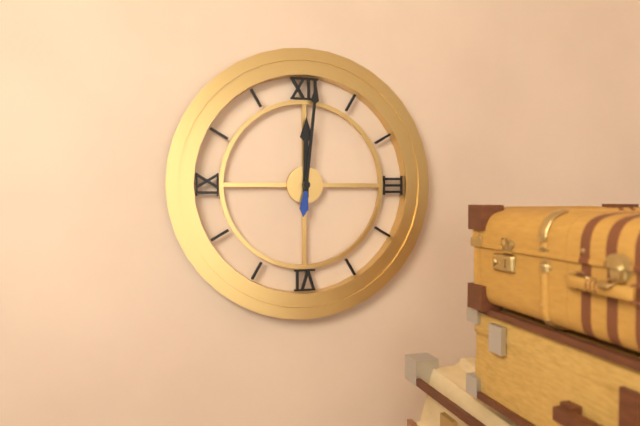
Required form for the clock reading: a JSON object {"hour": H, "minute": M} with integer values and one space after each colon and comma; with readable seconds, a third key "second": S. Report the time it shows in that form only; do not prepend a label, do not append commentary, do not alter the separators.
{"hour": 12, "minute": 1}
